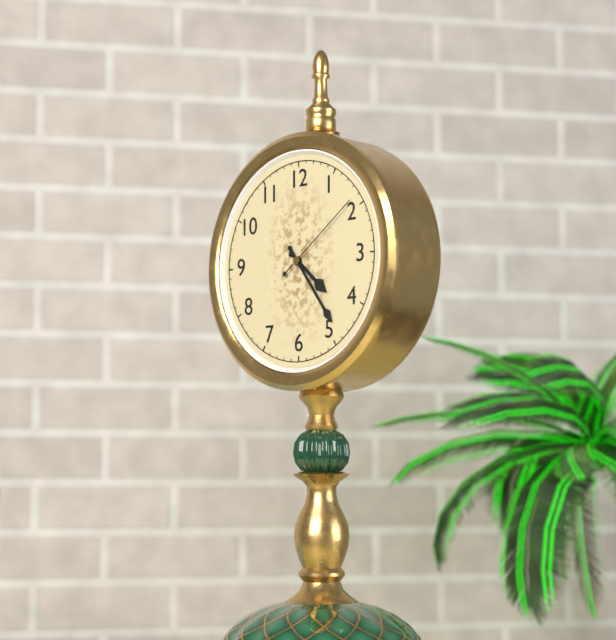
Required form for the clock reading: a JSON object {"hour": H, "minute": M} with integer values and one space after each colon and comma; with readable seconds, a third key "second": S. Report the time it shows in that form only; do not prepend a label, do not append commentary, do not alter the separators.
{"hour": 4, "minute": 24, "second": 9}
